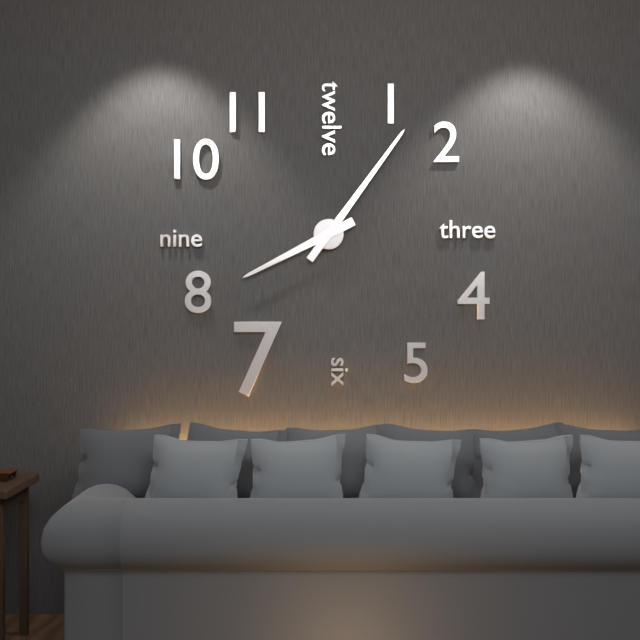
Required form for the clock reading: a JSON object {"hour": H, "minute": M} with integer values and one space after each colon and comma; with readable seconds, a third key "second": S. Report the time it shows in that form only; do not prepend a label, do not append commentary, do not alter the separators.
{"hour": 8, "minute": 6}
